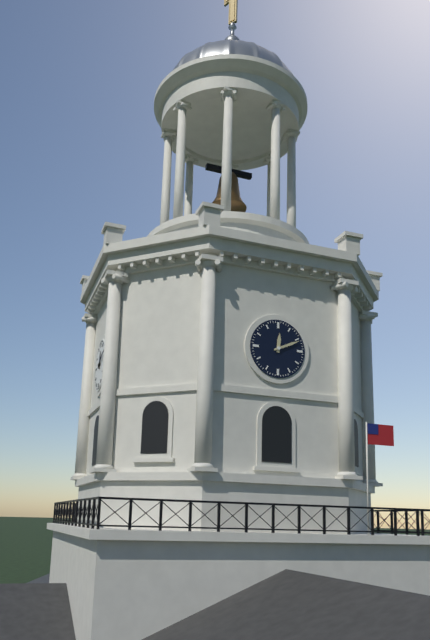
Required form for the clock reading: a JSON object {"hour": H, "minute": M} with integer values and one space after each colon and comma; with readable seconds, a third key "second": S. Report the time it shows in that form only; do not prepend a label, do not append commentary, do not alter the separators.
{"hour": 12, "minute": 11}
